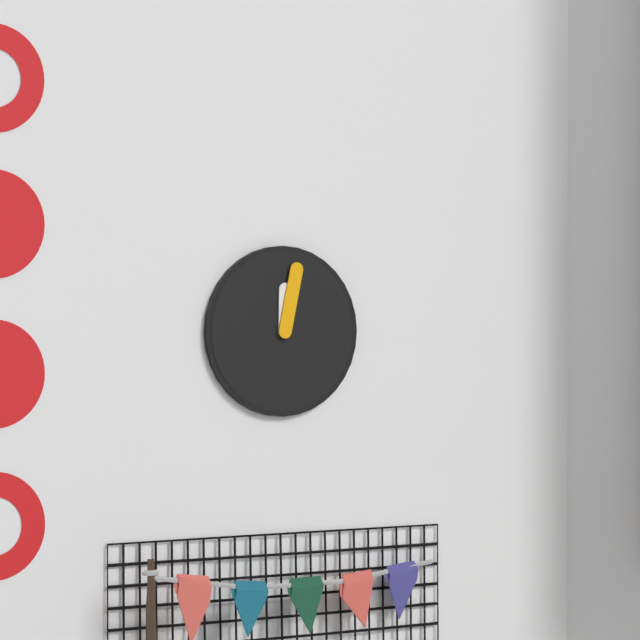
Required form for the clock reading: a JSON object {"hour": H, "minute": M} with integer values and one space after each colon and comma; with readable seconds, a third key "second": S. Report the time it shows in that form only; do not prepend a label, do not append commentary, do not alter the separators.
{"hour": 12, "minute": 2}
